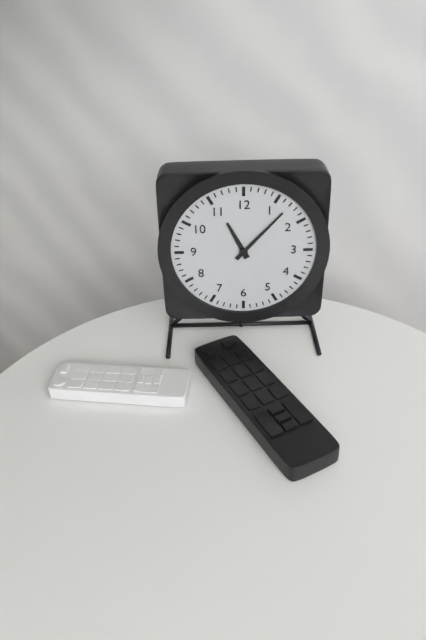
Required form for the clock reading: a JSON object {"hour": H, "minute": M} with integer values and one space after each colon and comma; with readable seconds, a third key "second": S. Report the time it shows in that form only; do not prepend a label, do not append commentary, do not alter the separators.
{"hour": 11, "minute": 7}
